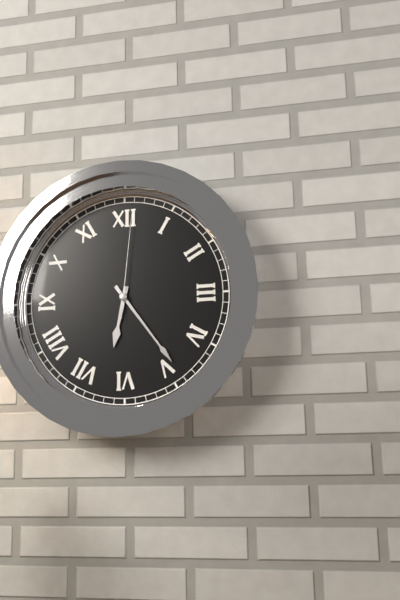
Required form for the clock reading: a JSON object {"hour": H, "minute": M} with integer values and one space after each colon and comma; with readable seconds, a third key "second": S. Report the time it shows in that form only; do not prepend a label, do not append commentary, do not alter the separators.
{"hour": 6, "minute": 24, "second": 1}
